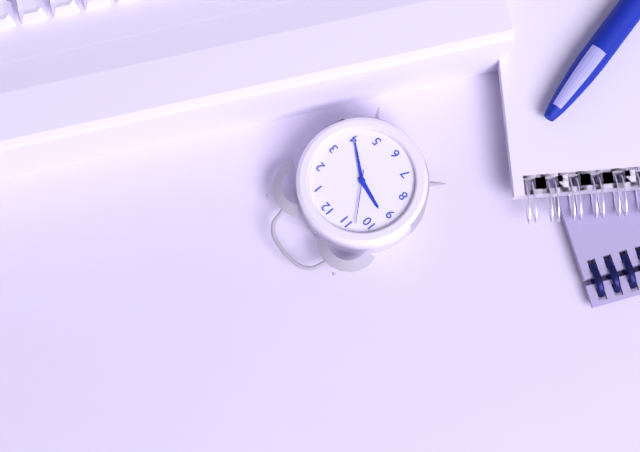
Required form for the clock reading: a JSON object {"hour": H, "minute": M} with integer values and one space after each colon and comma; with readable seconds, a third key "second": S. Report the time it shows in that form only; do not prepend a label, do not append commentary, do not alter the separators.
{"hour": 9, "minute": 20, "second": 53}
